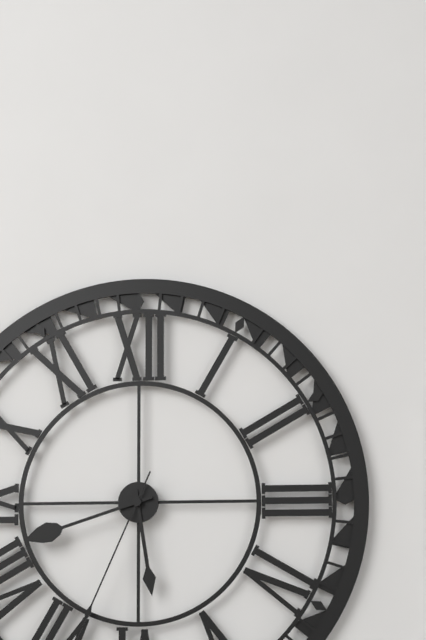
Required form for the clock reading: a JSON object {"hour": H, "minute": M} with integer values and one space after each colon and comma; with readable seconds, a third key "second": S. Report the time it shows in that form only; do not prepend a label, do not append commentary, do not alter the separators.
{"hour": 5, "minute": 42}
